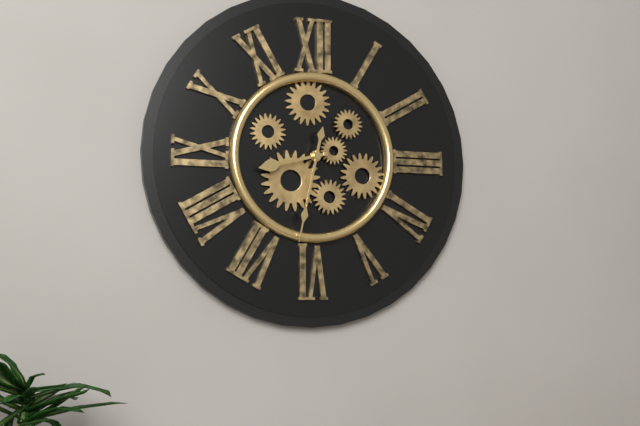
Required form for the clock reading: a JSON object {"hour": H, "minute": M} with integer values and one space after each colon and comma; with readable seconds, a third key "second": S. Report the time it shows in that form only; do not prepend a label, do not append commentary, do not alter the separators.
{"hour": 8, "minute": 32}
